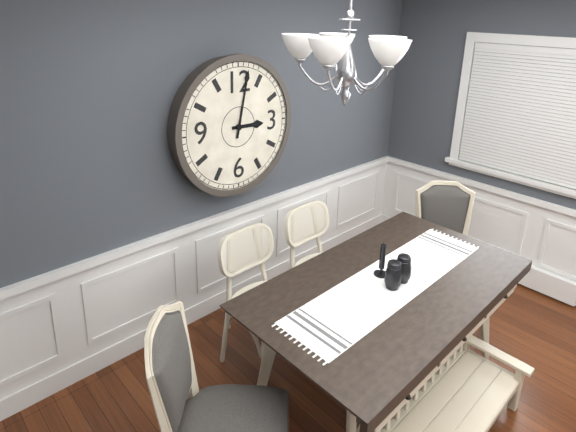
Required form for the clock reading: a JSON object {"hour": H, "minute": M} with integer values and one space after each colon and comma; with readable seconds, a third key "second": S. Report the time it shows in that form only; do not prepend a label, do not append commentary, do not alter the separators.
{"hour": 3, "minute": 2}
